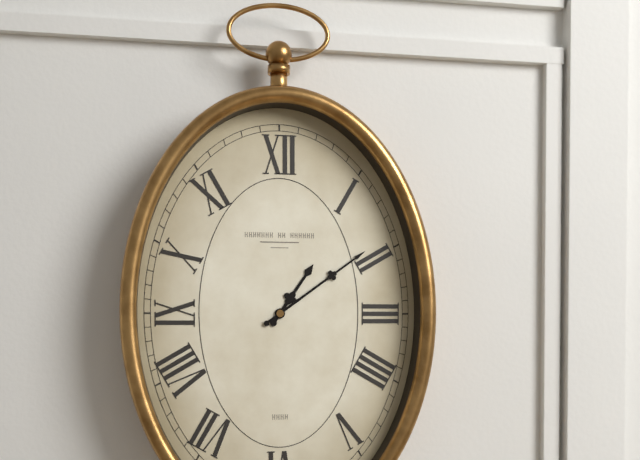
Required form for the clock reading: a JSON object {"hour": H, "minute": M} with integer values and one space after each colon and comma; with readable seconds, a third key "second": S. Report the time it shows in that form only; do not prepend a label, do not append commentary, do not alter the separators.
{"hour": 1, "minute": 9}
